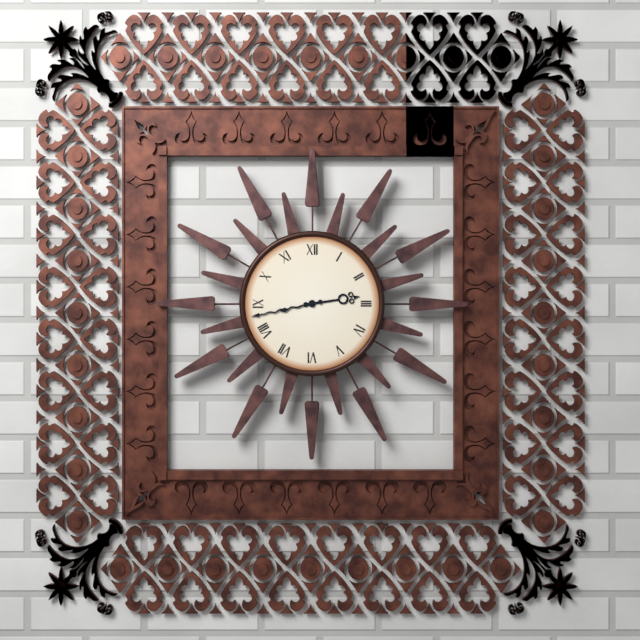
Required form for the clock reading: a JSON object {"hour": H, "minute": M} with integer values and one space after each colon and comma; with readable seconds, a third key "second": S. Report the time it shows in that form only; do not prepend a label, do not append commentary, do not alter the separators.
{"hour": 2, "minute": 43}
